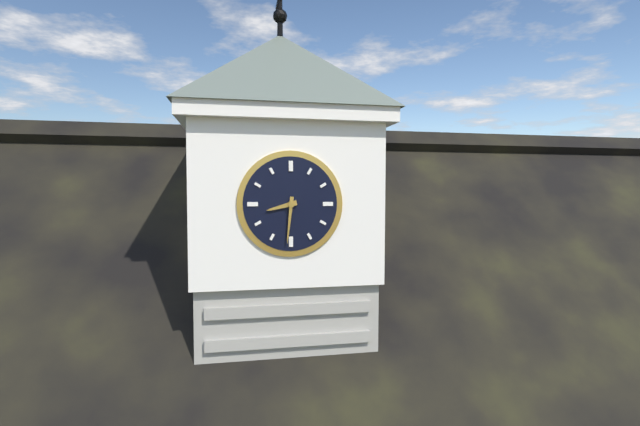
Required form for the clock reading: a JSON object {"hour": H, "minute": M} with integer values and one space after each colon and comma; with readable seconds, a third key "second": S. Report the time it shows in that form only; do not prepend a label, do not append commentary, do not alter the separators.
{"hour": 8, "minute": 31}
